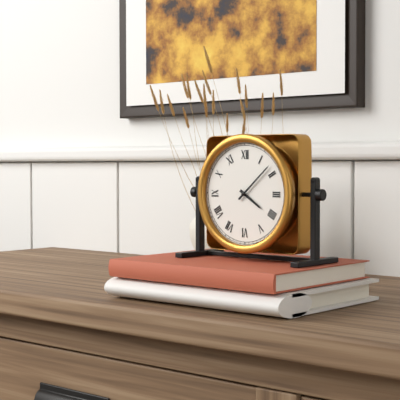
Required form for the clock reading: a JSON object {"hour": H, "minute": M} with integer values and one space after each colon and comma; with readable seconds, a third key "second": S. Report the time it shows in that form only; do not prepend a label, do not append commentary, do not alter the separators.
{"hour": 4, "minute": 8}
